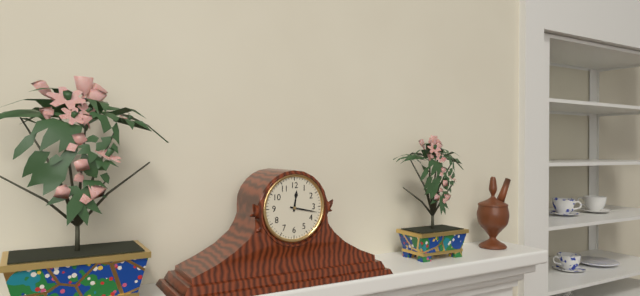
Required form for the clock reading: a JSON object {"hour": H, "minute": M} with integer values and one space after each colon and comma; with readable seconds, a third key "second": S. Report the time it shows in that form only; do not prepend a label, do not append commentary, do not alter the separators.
{"hour": 12, "minute": 17}
